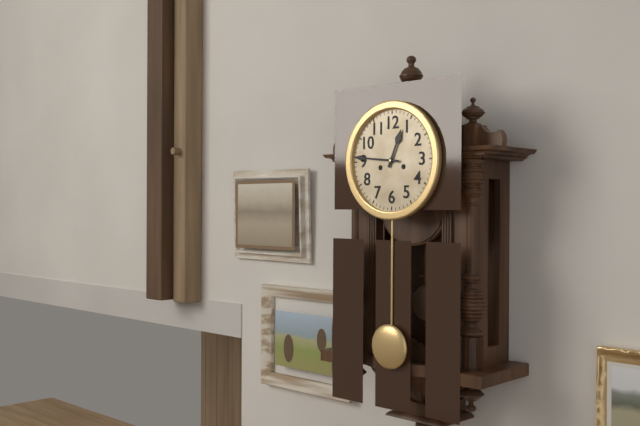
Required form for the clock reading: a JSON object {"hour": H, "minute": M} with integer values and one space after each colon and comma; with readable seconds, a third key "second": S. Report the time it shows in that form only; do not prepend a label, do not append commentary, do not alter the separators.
{"hour": 12, "minute": 46}
